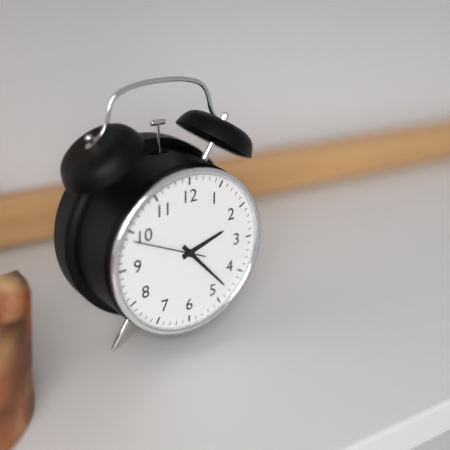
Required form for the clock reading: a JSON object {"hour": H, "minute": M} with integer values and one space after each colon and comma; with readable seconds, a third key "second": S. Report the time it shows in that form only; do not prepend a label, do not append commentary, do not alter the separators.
{"hour": 2, "minute": 23, "second": 49}
